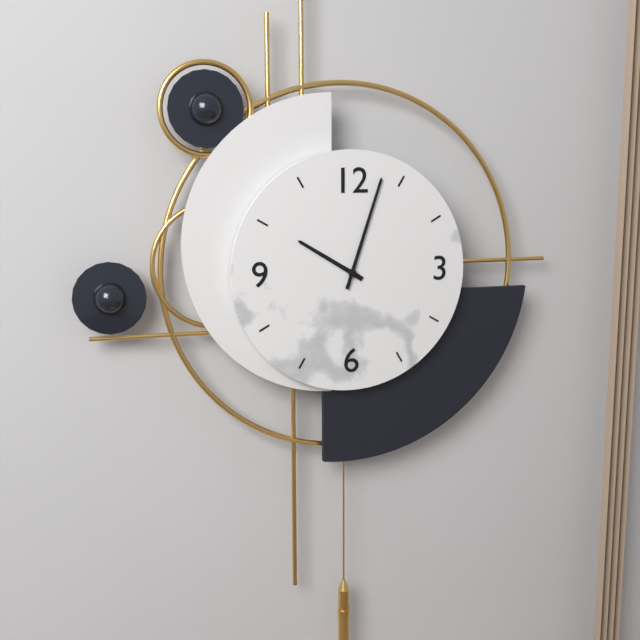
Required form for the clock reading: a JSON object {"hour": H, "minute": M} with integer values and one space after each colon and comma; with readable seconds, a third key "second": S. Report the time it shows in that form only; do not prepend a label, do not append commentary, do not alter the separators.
{"hour": 10, "minute": 3}
